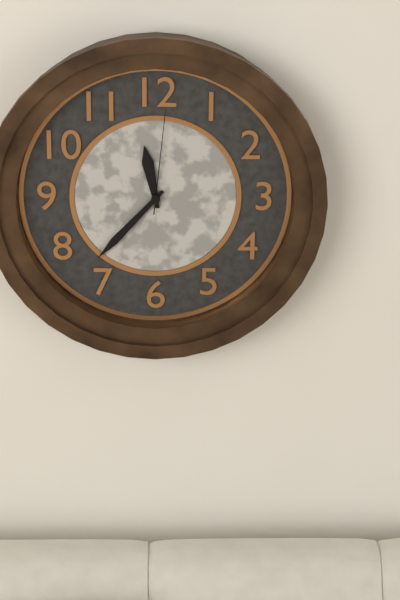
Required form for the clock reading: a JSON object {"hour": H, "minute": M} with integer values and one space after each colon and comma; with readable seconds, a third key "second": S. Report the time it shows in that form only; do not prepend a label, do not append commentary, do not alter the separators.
{"hour": 11, "minute": 37, "second": 1}
